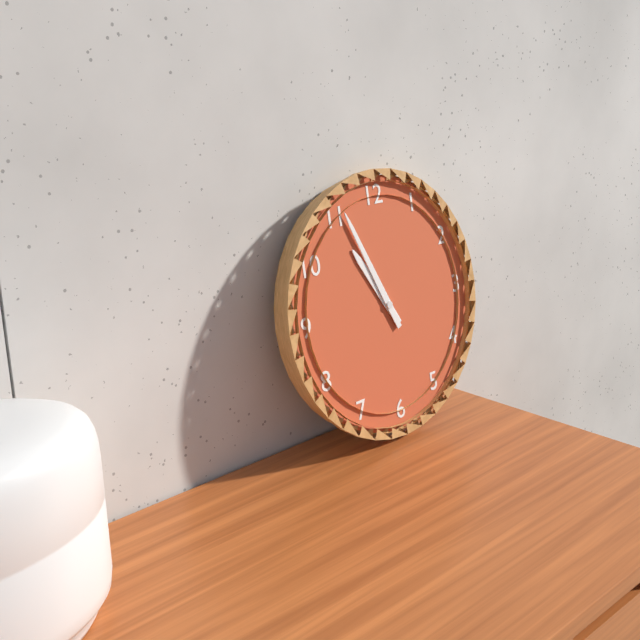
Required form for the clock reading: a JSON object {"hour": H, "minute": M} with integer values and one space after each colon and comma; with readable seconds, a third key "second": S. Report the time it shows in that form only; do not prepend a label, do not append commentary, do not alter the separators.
{"hour": 10, "minute": 56}
